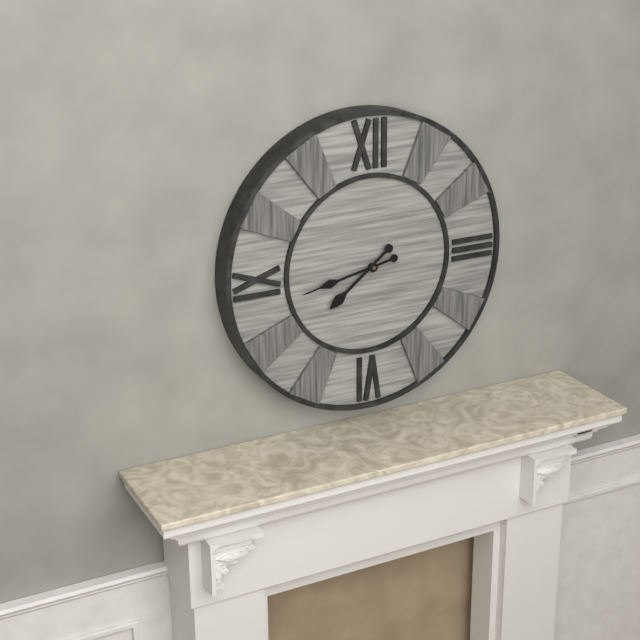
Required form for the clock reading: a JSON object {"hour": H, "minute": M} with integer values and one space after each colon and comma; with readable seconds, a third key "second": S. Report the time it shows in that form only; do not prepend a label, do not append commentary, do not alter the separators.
{"hour": 7, "minute": 43}
